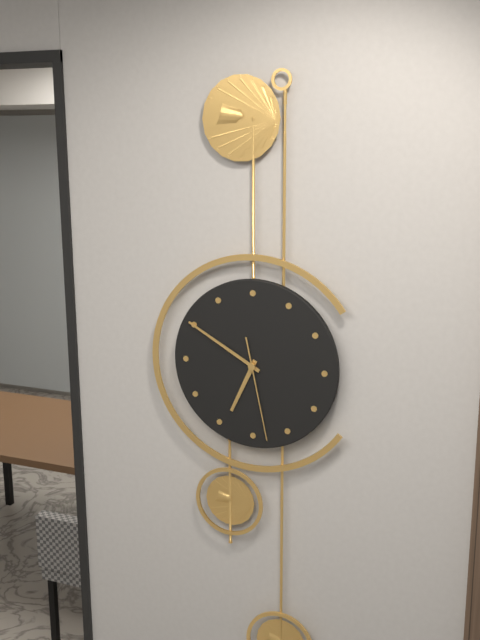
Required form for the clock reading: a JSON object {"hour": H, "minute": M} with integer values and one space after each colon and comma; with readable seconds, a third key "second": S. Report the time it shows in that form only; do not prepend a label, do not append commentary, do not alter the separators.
{"hour": 6, "minute": 50, "second": 28}
